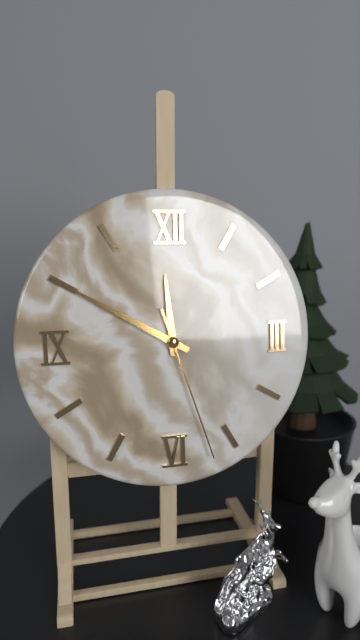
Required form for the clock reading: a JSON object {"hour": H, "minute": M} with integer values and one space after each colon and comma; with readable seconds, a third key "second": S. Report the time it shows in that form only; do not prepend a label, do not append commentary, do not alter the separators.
{"hour": 11, "minute": 50, "second": 27}
